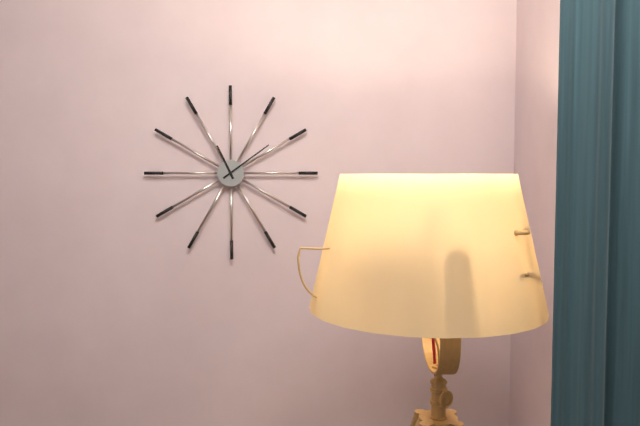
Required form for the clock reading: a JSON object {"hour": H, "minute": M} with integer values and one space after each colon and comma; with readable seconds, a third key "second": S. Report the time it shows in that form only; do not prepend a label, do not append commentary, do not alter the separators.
{"hour": 11, "minute": 9}
